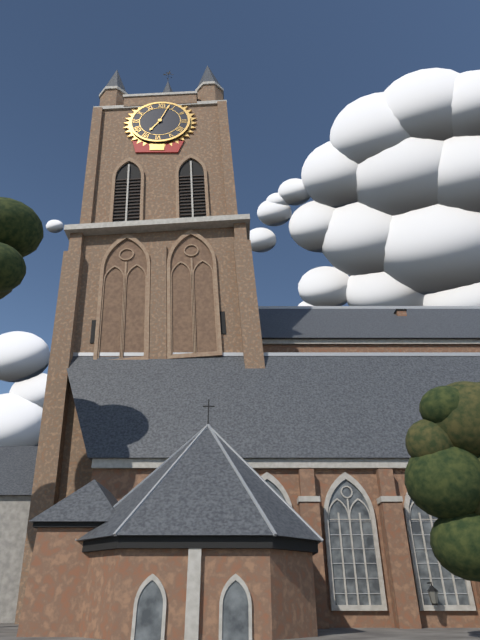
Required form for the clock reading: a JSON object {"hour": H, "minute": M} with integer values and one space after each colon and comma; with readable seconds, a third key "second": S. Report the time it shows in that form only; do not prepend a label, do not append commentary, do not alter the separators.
{"hour": 7, "minute": 3}
